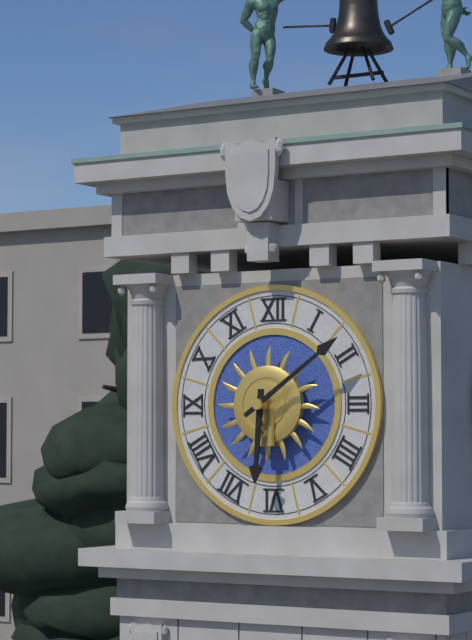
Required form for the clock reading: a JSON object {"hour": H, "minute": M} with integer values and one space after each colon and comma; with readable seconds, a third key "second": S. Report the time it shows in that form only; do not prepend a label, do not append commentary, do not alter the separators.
{"hour": 6, "minute": 9}
